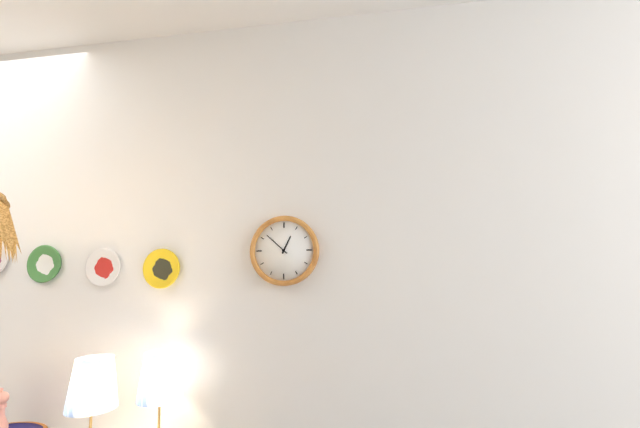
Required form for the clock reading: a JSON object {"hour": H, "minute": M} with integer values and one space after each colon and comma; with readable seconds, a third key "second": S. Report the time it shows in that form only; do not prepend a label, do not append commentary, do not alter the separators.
{"hour": 12, "minute": 52}
